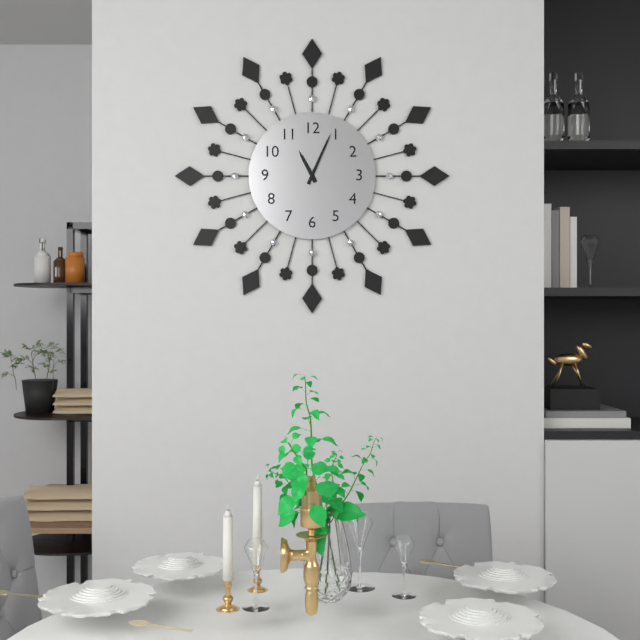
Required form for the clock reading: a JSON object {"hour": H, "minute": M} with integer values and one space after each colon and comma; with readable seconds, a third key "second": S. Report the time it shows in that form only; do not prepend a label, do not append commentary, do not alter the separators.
{"hour": 11, "minute": 4}
